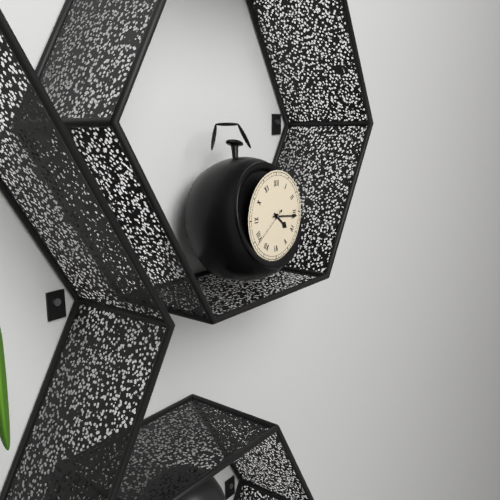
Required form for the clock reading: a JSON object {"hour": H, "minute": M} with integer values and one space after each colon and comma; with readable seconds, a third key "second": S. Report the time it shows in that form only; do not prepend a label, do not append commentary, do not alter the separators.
{"hour": 4, "minute": 16}
